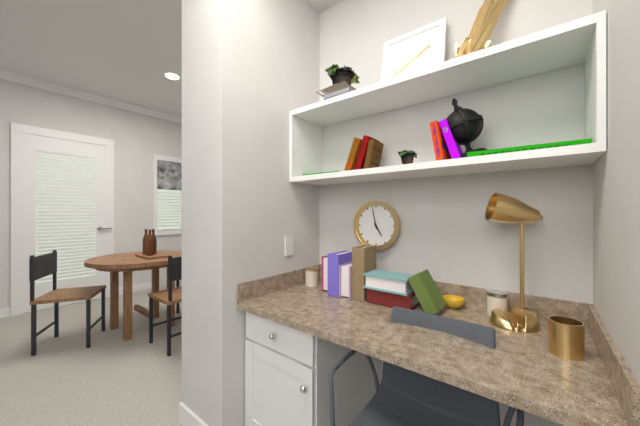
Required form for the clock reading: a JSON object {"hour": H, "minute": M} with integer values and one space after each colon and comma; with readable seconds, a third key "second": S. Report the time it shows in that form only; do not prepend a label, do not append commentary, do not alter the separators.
{"hour": 4, "minute": 58}
